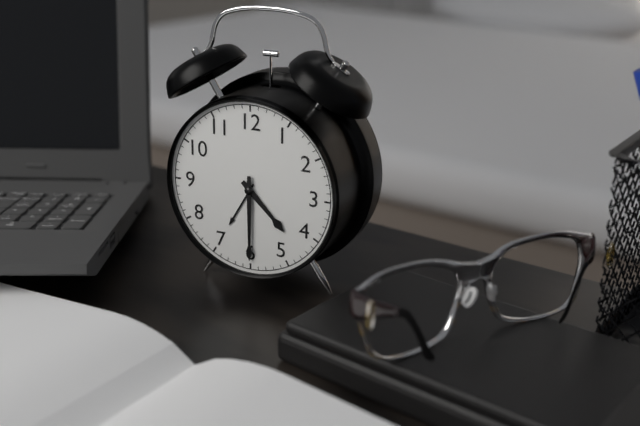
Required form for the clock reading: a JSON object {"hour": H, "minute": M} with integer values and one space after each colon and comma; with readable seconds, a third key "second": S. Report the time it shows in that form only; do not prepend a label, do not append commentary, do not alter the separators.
{"hour": 4, "minute": 30}
